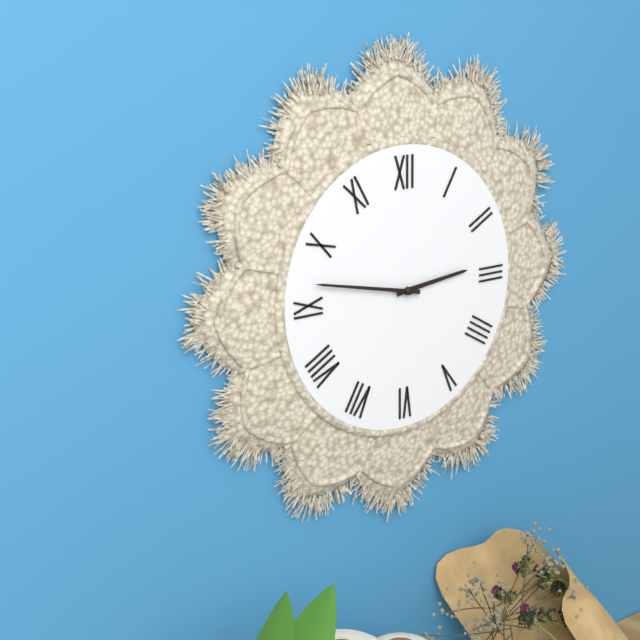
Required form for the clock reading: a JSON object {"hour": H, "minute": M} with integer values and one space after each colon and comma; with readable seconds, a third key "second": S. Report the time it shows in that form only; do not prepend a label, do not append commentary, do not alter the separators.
{"hour": 2, "minute": 47}
